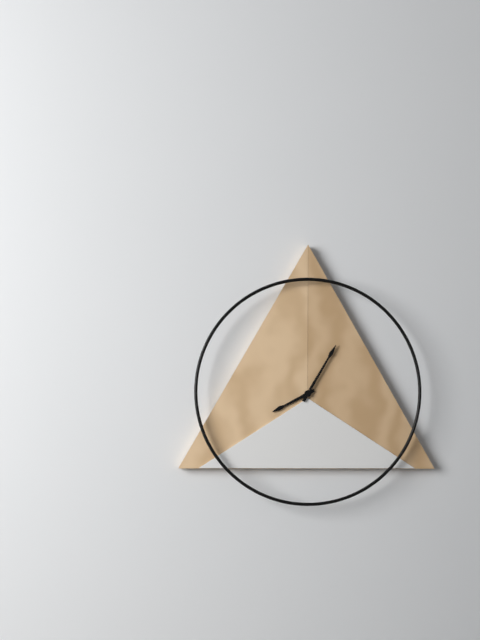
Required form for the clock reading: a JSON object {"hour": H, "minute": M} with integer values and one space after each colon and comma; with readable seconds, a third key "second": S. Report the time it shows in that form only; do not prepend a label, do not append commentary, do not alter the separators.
{"hour": 8, "minute": 5}
